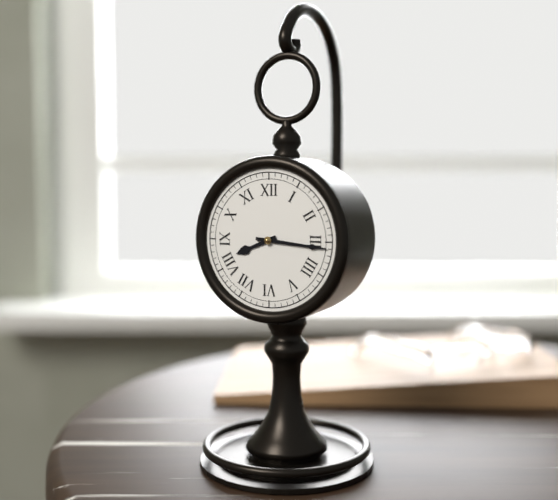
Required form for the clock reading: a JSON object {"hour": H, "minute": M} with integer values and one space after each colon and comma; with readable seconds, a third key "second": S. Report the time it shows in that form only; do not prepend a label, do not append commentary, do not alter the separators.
{"hour": 8, "minute": 16}
